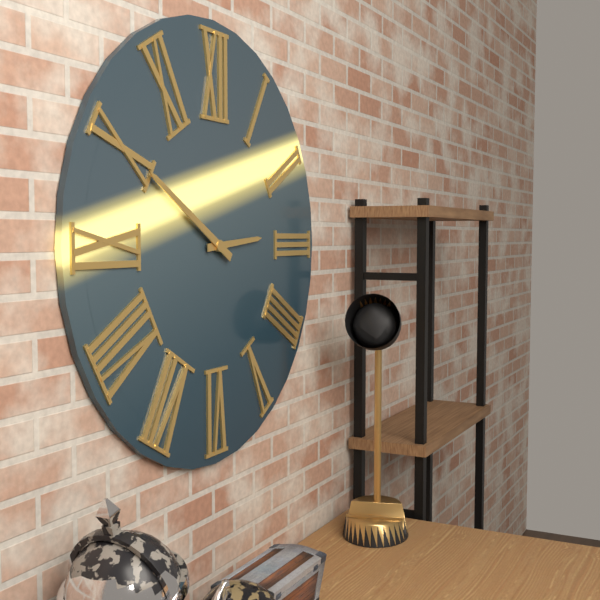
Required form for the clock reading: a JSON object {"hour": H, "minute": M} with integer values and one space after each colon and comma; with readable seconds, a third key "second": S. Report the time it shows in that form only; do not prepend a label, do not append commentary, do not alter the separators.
{"hour": 2, "minute": 50}
